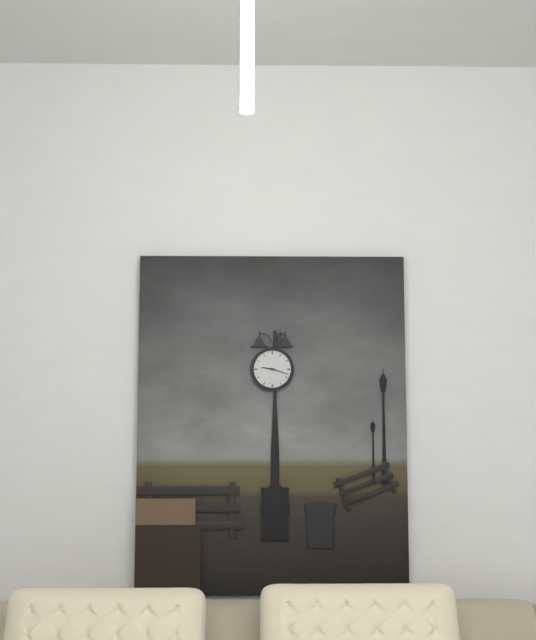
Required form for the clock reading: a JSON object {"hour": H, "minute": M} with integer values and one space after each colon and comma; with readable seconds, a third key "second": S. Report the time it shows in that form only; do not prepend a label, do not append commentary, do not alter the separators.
{"hour": 9, "minute": 18}
